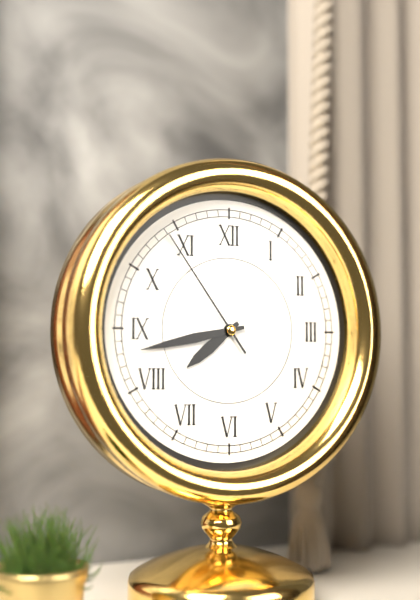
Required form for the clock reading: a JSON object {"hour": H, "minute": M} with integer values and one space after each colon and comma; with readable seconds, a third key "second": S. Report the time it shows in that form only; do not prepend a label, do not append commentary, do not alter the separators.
{"hour": 7, "minute": 43, "second": 54}
